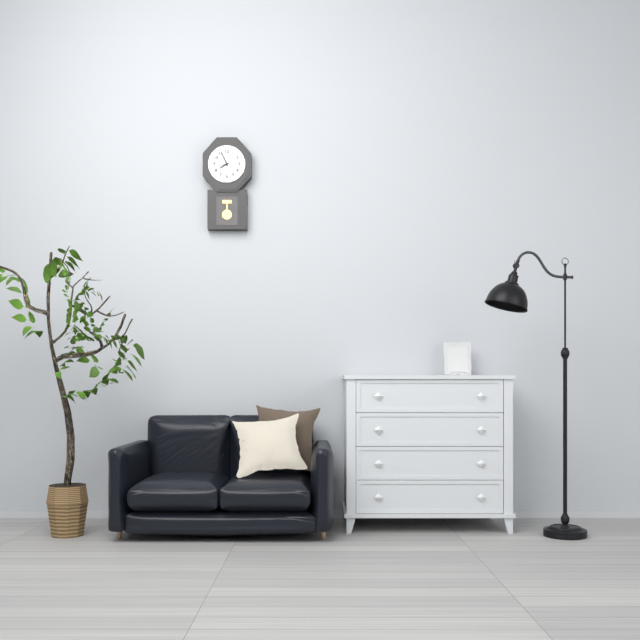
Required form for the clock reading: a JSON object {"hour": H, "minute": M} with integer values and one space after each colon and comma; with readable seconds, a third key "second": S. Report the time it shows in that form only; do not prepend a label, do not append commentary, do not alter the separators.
{"hour": 7, "minute": 56}
